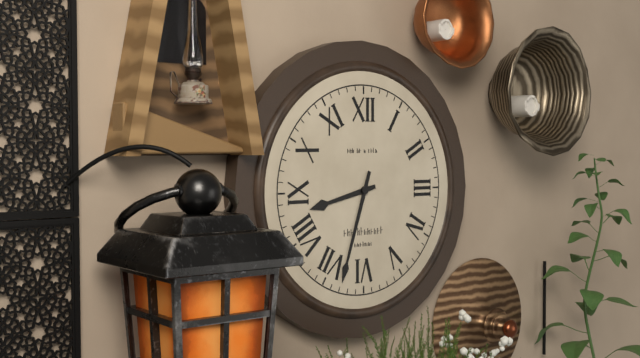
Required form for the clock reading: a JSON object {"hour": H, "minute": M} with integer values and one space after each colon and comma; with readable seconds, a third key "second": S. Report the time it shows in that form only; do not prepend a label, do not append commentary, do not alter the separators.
{"hour": 8, "minute": 33}
